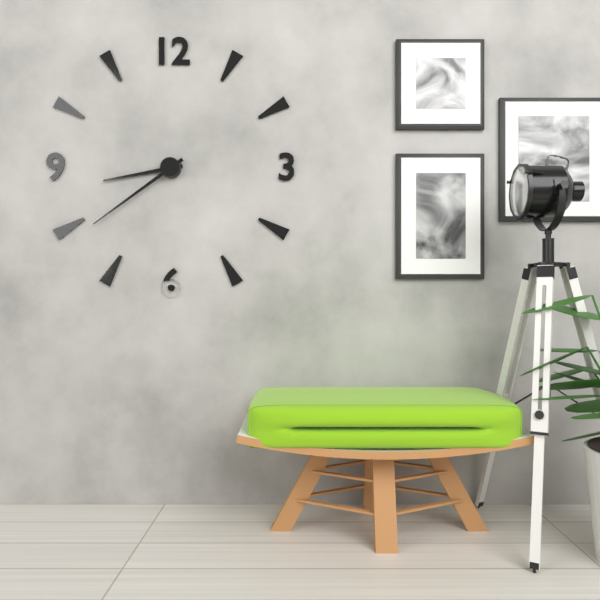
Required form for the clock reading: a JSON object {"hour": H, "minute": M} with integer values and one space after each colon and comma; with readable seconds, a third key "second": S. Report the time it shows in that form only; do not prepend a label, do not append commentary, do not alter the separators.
{"hour": 8, "minute": 39}
